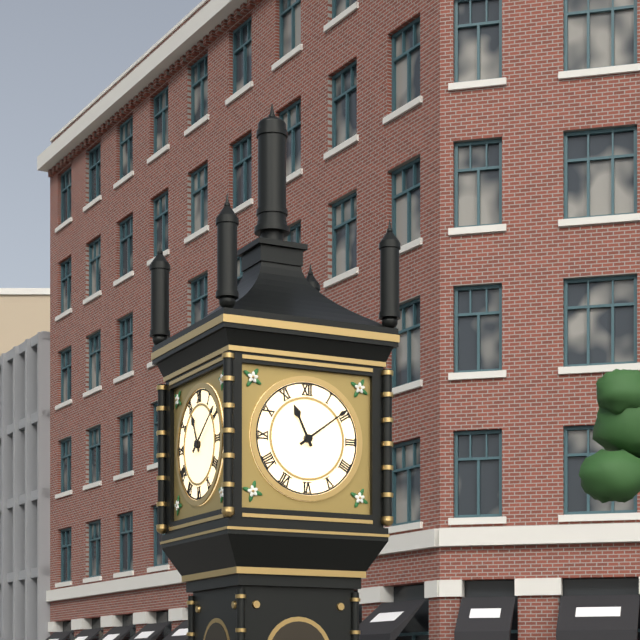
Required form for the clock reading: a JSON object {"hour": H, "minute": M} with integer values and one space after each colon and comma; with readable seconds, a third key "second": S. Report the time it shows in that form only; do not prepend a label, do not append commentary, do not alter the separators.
{"hour": 11, "minute": 9}
